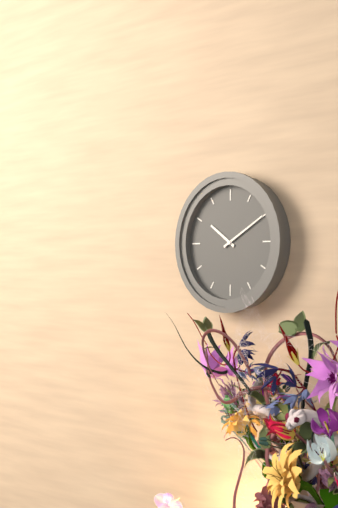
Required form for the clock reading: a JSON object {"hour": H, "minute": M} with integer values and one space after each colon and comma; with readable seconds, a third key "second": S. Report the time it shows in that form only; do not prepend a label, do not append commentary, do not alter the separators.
{"hour": 10, "minute": 10}
